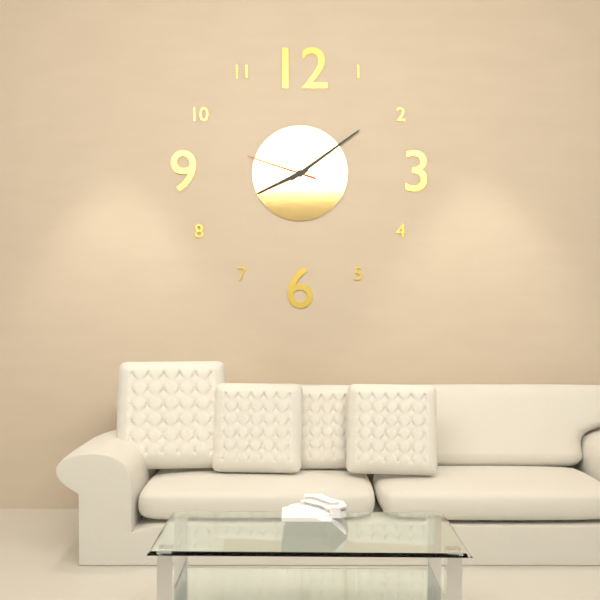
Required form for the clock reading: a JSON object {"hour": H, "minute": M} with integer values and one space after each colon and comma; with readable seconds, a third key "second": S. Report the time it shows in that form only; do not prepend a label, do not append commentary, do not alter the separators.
{"hour": 8, "minute": 9, "second": 48}
